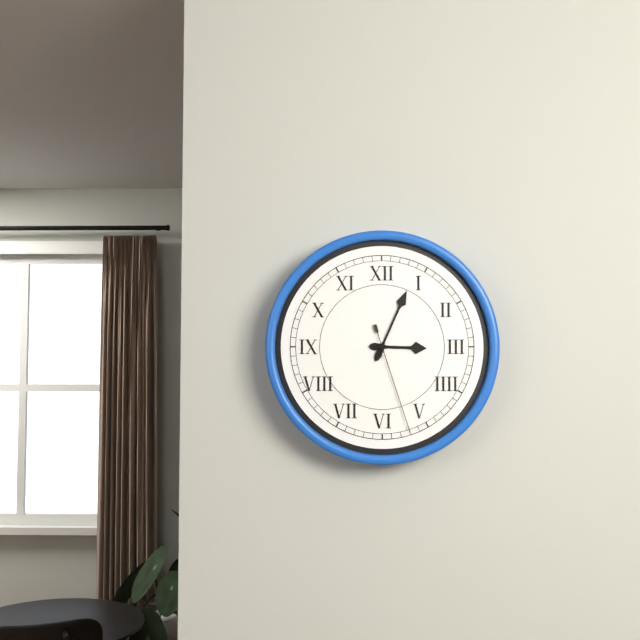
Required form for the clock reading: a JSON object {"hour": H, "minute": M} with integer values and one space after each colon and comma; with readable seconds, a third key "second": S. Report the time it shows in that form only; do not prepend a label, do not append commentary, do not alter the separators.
{"hour": 3, "minute": 4, "second": 27}
